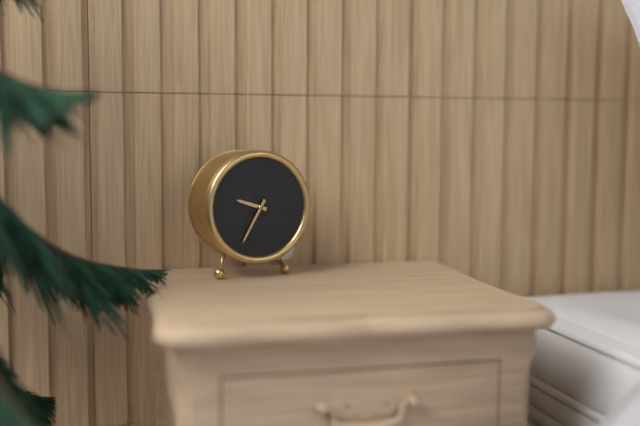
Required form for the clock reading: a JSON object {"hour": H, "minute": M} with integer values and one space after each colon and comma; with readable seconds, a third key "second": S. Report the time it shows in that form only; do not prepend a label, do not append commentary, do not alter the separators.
{"hour": 9, "minute": 35}
